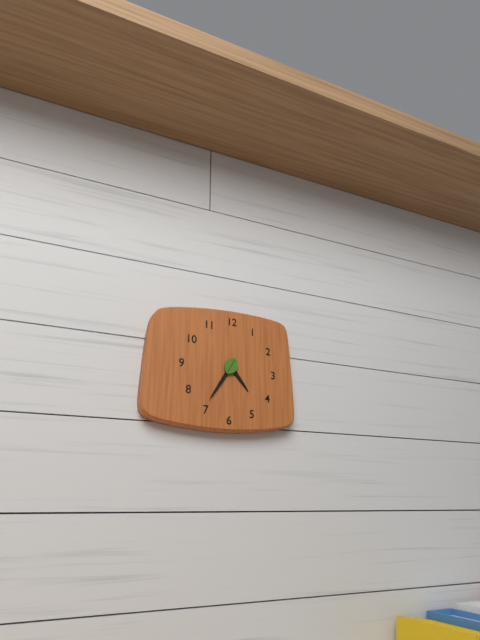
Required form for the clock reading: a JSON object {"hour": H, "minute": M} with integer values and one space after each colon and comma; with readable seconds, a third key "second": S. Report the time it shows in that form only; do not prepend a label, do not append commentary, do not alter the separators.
{"hour": 4, "minute": 35}
